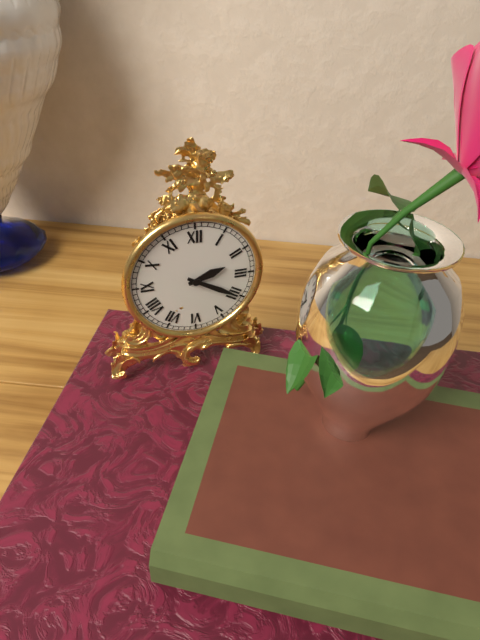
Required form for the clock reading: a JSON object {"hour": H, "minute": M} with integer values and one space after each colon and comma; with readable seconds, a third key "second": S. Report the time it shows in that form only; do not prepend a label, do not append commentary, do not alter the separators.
{"hour": 2, "minute": 20}
